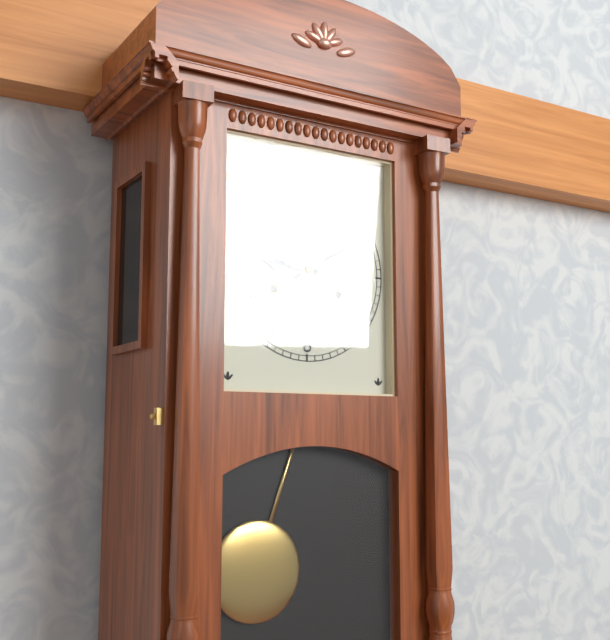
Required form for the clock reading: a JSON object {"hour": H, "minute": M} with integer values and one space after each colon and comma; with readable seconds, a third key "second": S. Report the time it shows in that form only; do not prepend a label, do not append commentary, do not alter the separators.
{"hour": 9, "minute": 10}
